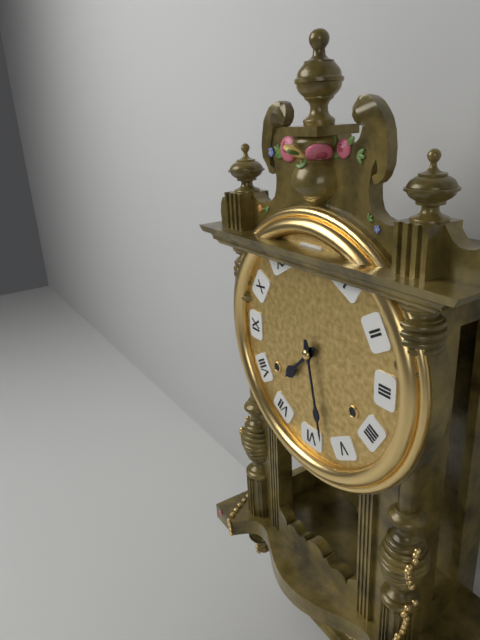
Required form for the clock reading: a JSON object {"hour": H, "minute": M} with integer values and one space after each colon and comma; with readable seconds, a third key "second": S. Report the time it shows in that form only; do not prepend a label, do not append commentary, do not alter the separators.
{"hour": 7, "minute": 28}
